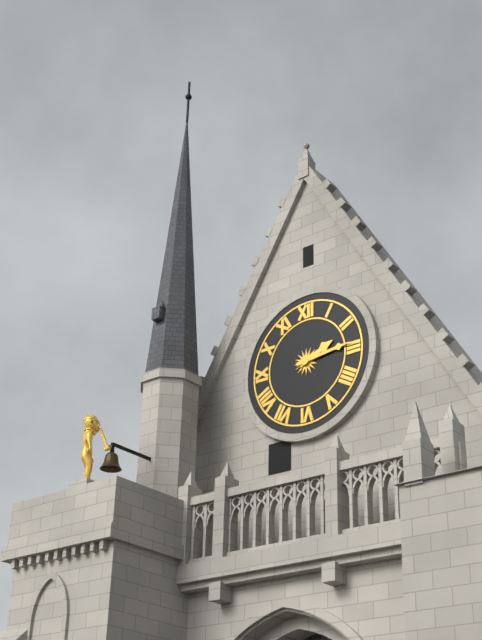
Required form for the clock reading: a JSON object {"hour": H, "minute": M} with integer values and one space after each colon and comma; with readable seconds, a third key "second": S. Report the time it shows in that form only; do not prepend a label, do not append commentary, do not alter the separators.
{"hour": 2, "minute": 14}
